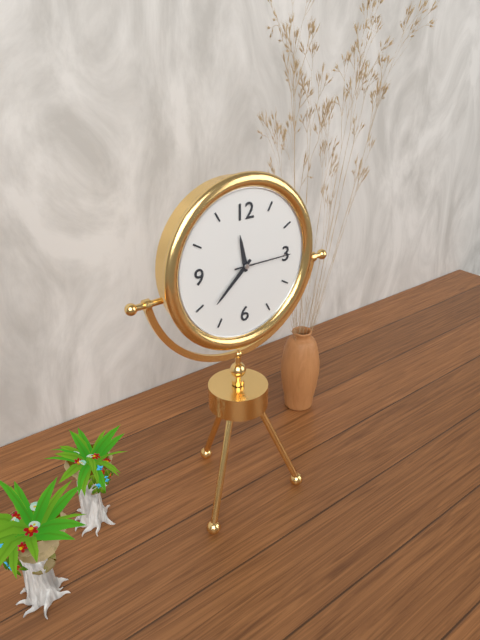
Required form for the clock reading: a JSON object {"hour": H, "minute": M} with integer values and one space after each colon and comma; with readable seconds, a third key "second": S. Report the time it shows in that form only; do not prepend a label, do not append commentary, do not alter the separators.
{"hour": 11, "minute": 38, "second": 15}
